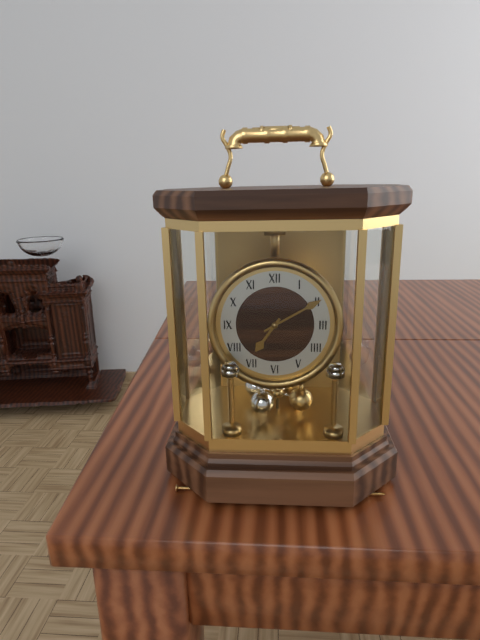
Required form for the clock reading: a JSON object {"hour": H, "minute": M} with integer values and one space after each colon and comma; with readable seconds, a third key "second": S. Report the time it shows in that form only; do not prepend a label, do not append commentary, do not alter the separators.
{"hour": 7, "minute": 10}
